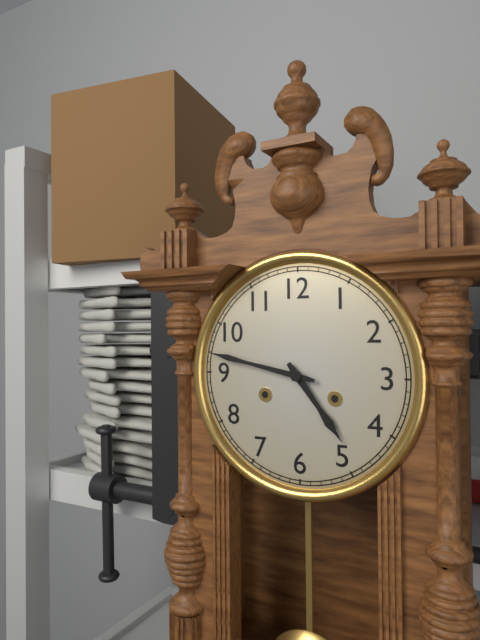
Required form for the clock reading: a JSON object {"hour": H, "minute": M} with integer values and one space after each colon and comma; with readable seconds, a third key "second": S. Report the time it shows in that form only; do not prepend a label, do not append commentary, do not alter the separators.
{"hour": 4, "minute": 47}
